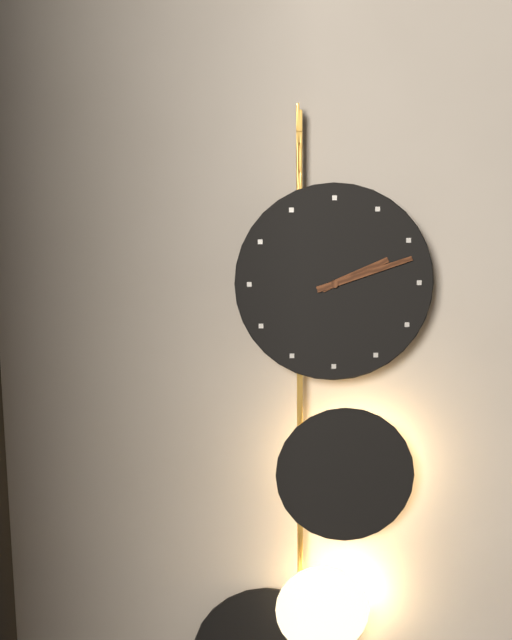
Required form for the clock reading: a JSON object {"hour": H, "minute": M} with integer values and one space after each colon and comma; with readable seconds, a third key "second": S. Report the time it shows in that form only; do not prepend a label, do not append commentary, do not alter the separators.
{"hour": 2, "minute": 12}
